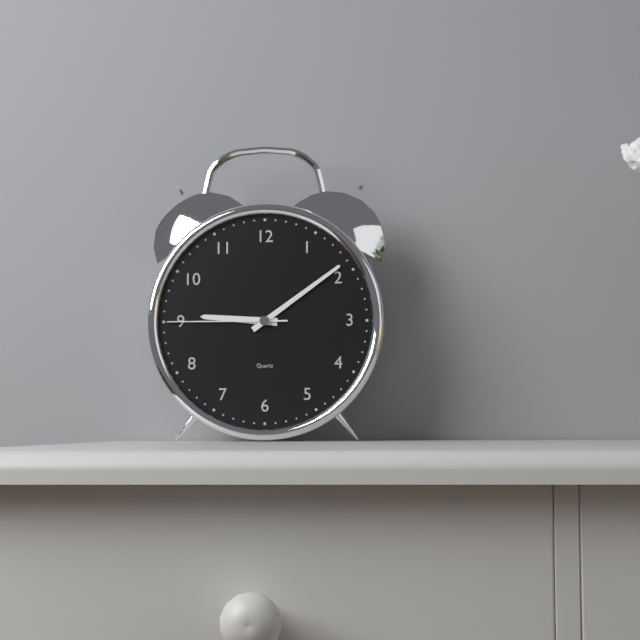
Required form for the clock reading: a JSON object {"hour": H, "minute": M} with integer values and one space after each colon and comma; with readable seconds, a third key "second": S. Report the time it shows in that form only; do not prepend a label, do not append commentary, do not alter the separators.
{"hour": 9, "minute": 9, "second": 45}
